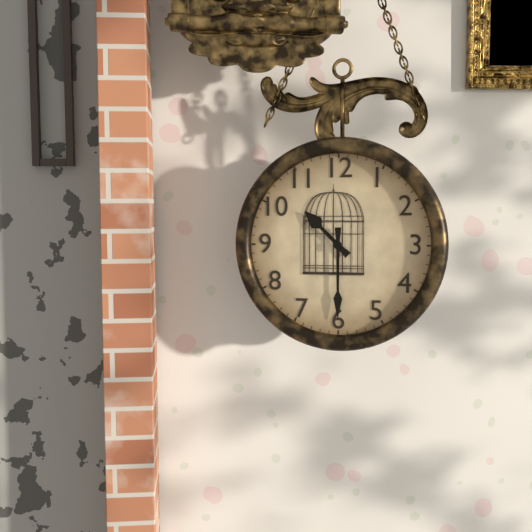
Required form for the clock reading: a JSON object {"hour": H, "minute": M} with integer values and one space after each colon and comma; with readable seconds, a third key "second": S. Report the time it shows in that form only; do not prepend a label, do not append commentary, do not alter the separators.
{"hour": 10, "minute": 30}
